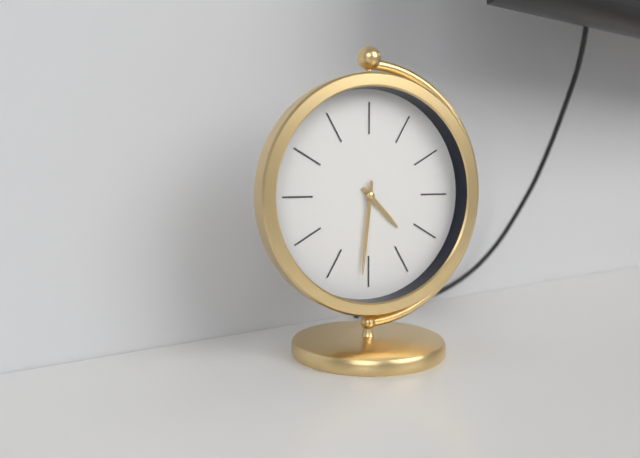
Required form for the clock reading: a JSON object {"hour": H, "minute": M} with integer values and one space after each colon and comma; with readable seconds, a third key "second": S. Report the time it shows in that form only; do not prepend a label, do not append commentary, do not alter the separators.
{"hour": 4, "minute": 31}
